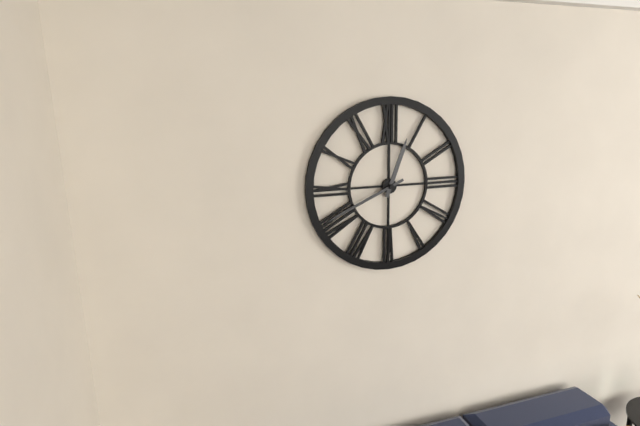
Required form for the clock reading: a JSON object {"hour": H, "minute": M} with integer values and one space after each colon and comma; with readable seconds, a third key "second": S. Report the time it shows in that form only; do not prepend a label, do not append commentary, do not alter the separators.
{"hour": 12, "minute": 41}
